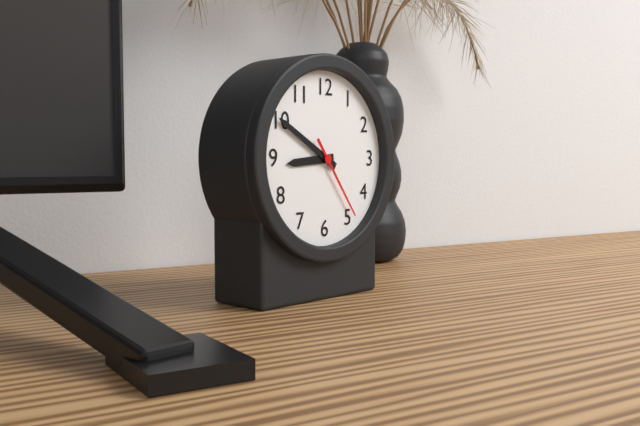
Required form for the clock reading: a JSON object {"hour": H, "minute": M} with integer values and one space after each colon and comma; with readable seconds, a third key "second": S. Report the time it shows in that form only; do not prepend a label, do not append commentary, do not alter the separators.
{"hour": 8, "minute": 50, "second": 24}
